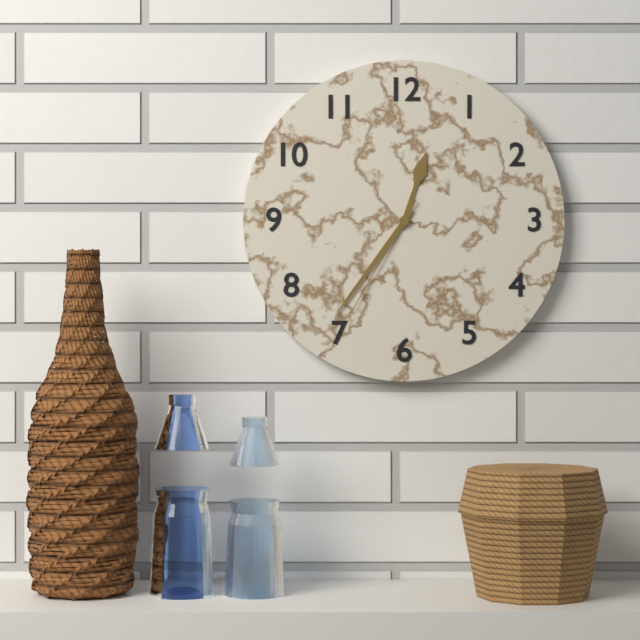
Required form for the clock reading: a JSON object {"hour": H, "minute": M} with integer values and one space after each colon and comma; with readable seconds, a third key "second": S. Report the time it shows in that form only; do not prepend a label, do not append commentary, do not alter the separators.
{"hour": 12, "minute": 36, "second": 35}
